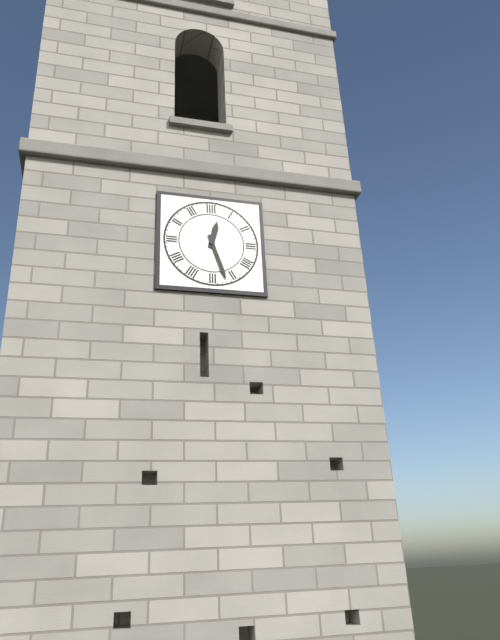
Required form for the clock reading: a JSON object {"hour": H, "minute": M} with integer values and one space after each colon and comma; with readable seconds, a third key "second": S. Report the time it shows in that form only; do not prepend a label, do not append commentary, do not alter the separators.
{"hour": 12, "minute": 27}
